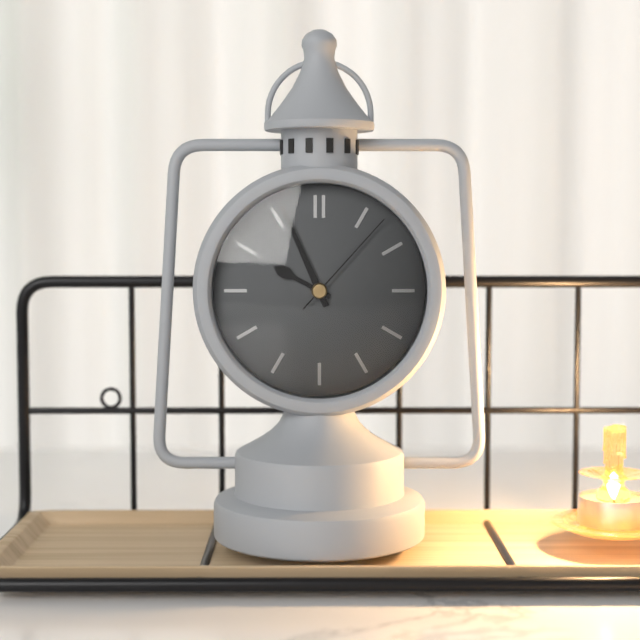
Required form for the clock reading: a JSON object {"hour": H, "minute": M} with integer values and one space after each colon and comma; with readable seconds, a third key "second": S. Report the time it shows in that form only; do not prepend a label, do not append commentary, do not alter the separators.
{"hour": 9, "minute": 56, "second": 7}
